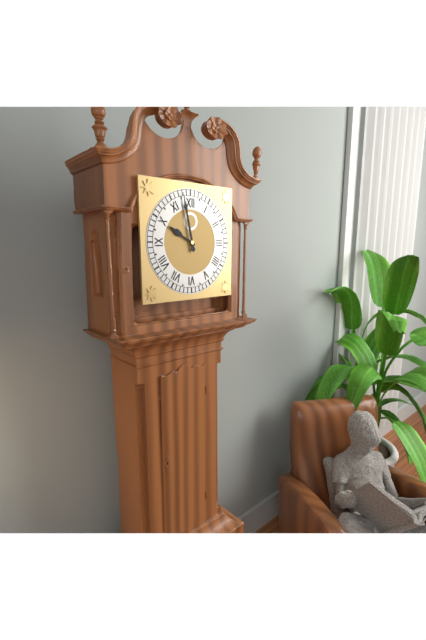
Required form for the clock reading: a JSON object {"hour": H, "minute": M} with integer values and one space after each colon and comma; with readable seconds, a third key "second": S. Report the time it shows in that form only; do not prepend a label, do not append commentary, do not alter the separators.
{"hour": 9, "minute": 58}
